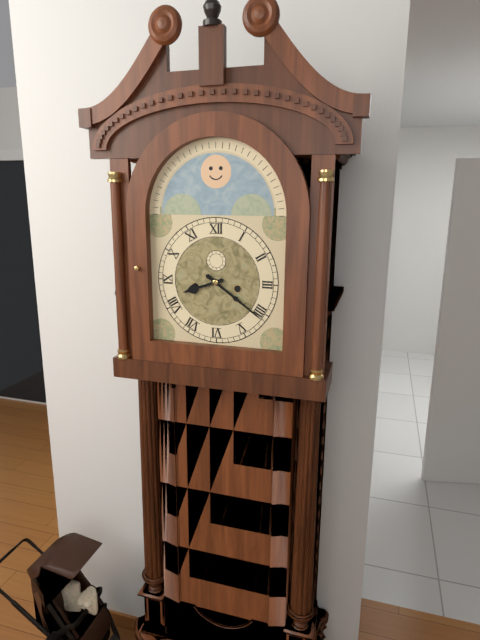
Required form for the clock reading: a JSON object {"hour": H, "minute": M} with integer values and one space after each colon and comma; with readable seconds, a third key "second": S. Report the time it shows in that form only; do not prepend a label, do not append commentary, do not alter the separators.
{"hour": 8, "minute": 21}
